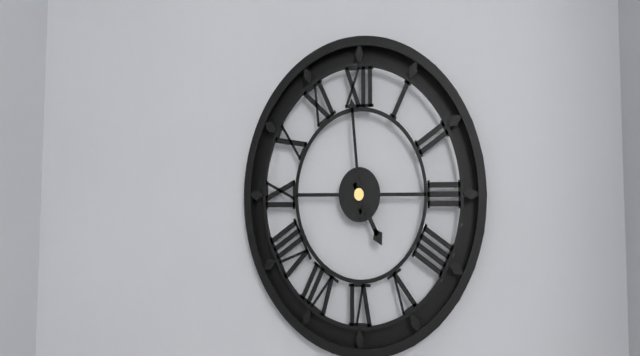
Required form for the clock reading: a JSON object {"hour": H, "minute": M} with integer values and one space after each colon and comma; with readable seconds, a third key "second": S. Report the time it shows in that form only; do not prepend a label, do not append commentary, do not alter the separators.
{"hour": 4, "minute": 59}
